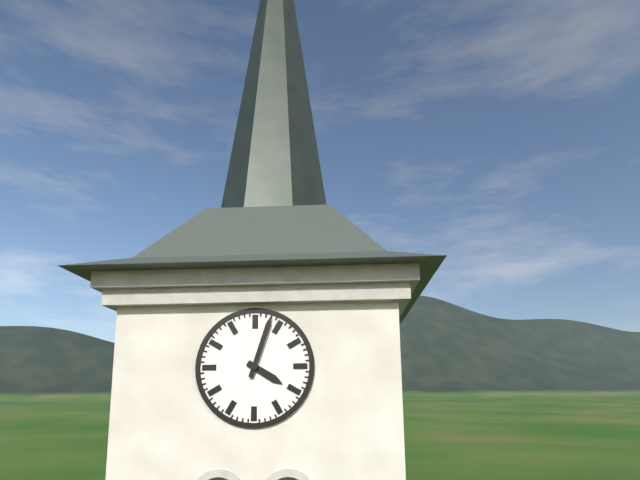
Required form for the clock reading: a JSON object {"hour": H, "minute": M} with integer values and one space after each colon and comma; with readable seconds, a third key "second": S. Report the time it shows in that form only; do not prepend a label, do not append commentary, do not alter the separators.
{"hour": 4, "minute": 3}
